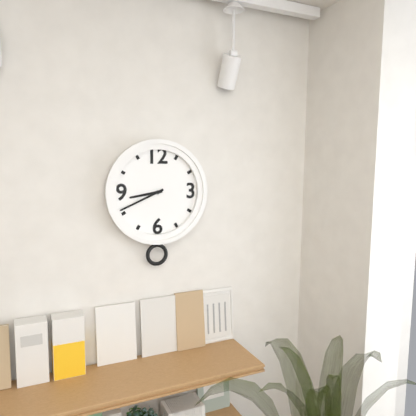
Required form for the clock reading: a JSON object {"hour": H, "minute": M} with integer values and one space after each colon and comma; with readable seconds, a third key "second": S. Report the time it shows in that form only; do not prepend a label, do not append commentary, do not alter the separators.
{"hour": 8, "minute": 41}
